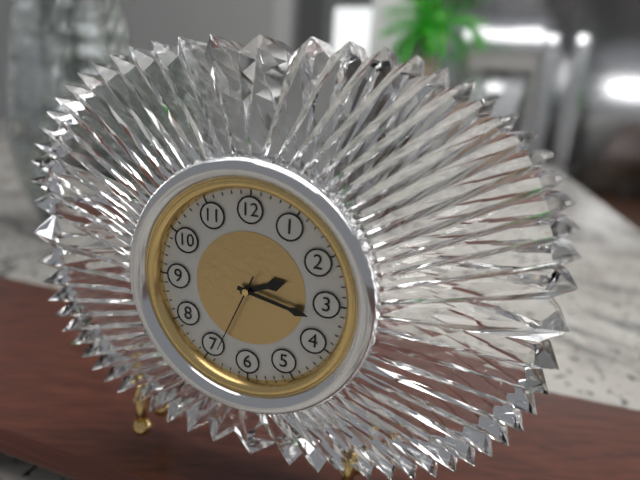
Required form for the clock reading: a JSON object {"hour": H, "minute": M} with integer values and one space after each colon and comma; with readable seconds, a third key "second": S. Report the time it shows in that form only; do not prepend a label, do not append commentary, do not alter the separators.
{"hour": 2, "minute": 17, "second": 34}
